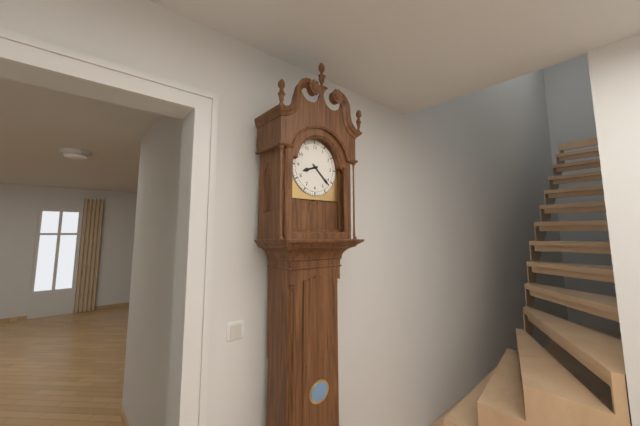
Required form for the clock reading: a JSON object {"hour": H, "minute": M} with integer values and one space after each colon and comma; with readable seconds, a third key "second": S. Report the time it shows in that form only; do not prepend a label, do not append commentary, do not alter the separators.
{"hour": 8, "minute": 22}
